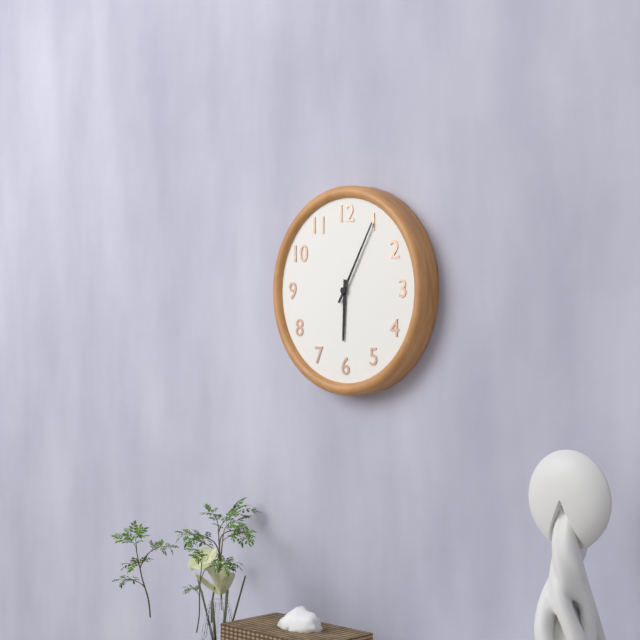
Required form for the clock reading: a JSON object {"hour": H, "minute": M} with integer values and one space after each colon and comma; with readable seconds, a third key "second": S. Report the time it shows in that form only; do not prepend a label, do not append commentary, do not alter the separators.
{"hour": 6, "minute": 5}
